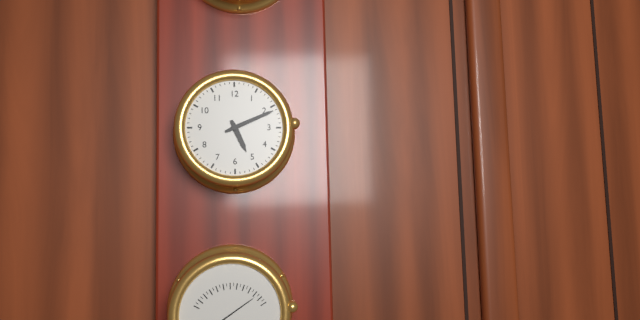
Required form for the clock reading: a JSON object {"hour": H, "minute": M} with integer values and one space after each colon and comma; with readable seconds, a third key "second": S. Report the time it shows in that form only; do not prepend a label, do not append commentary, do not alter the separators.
{"hour": 5, "minute": 11}
